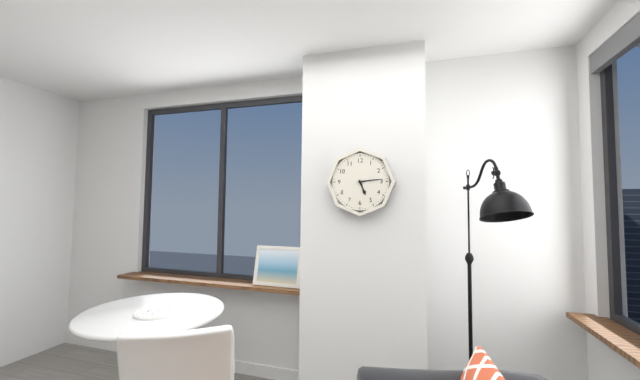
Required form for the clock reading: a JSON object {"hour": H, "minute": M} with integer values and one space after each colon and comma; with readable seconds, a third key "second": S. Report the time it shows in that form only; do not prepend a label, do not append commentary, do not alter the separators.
{"hour": 5, "minute": 14}
